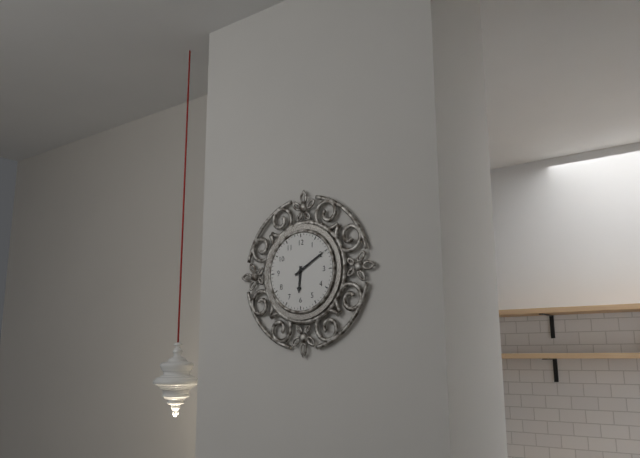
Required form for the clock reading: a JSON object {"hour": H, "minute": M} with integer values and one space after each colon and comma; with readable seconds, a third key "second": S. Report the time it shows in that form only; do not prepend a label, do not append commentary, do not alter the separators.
{"hour": 6, "minute": 10}
